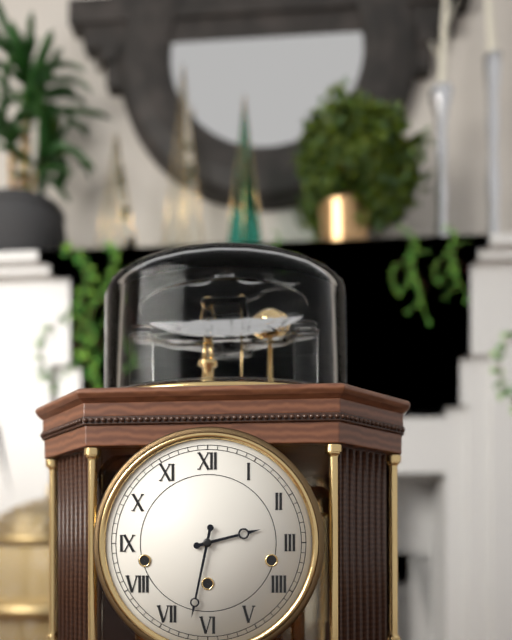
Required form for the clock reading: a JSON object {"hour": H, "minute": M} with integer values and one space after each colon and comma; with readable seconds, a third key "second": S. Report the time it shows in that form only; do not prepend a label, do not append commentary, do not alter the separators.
{"hour": 2, "minute": 32}
